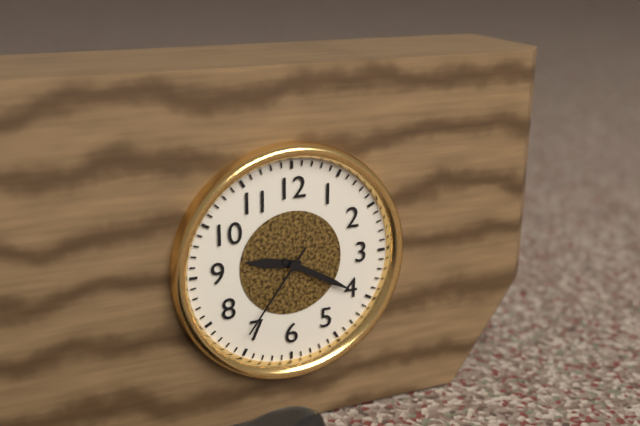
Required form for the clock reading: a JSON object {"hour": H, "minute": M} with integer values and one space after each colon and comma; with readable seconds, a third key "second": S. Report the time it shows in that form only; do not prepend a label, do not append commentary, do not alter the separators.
{"hour": 9, "minute": 20, "second": 36}
